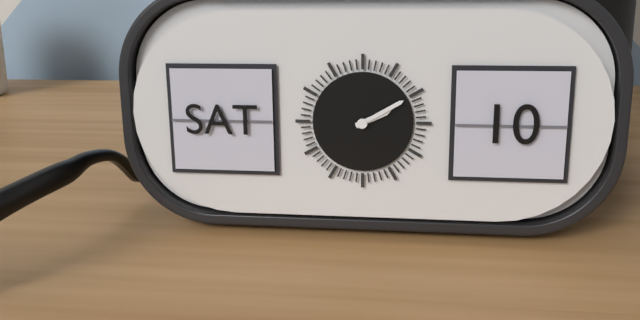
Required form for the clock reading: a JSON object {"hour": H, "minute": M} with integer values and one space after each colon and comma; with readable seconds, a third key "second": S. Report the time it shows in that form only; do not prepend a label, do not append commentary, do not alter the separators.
{"hour": 2, "minute": 10}
